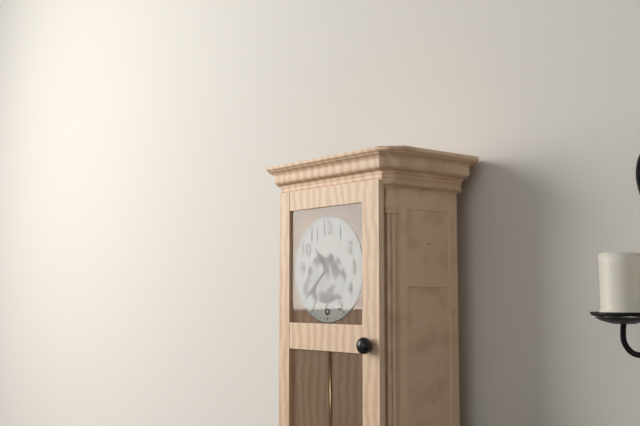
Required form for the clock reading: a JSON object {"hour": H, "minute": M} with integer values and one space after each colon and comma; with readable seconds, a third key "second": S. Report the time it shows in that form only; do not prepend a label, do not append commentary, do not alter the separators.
{"hour": 10, "minute": 38}
